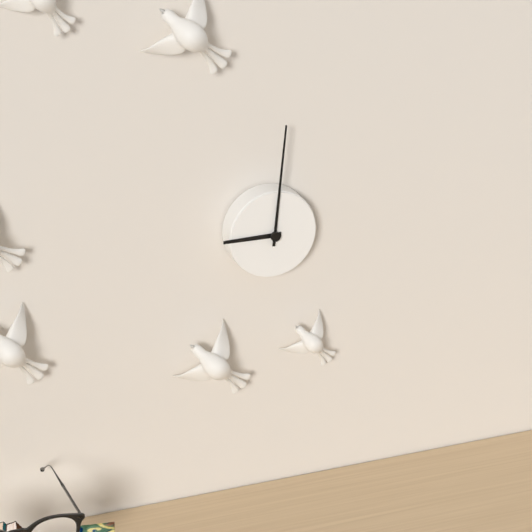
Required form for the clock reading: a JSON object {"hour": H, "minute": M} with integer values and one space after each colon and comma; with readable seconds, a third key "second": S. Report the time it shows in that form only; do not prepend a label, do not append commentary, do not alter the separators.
{"hour": 9, "minute": 1}
